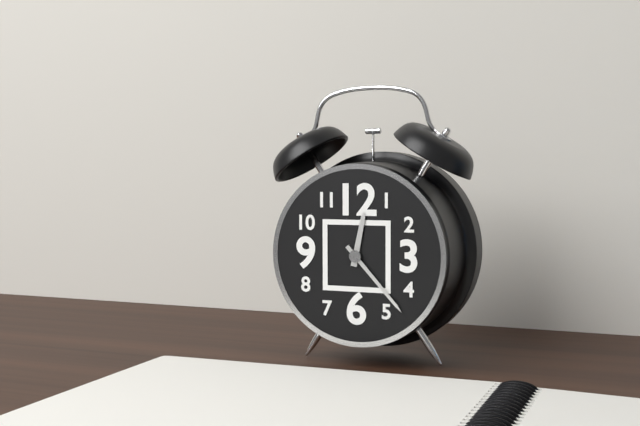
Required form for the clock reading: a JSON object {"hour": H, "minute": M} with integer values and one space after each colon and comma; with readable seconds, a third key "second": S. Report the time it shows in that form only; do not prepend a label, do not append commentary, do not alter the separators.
{"hour": 12, "minute": 23}
